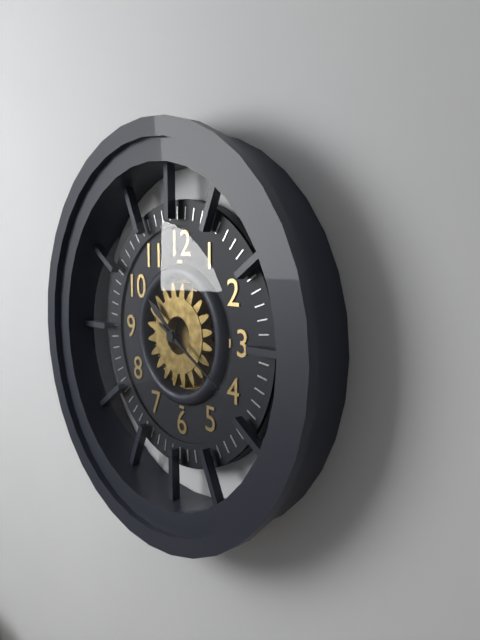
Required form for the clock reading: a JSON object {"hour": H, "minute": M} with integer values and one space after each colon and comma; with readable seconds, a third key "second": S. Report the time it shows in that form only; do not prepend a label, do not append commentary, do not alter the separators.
{"hour": 10, "minute": 20}
